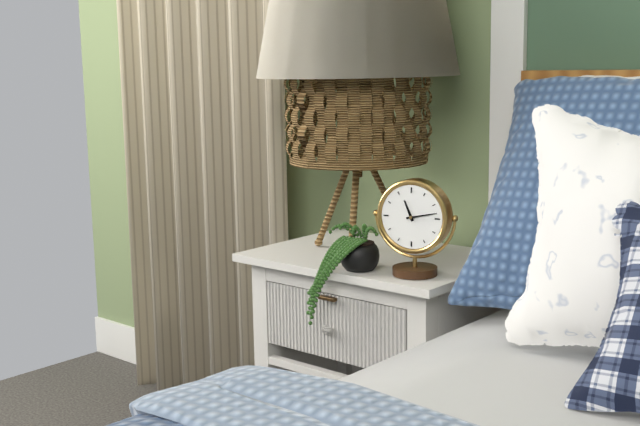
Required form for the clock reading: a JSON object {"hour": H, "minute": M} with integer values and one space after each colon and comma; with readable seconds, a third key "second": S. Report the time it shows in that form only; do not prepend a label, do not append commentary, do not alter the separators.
{"hour": 11, "minute": 13}
